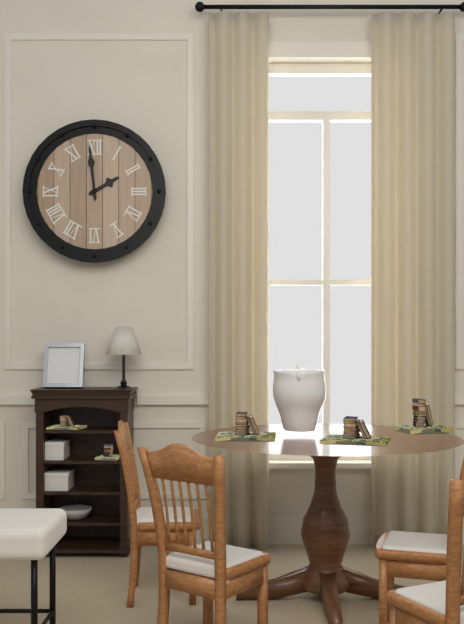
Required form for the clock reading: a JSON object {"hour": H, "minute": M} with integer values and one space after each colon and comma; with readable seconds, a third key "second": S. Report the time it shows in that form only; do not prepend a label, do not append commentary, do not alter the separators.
{"hour": 1, "minute": 59}
